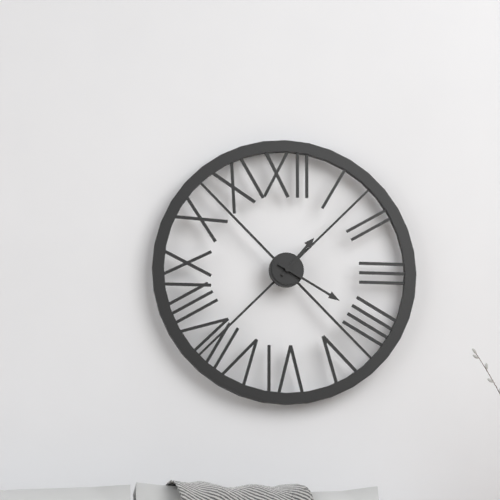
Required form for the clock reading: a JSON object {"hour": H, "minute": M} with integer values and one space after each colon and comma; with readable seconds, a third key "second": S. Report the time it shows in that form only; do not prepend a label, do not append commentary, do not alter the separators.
{"hour": 1, "minute": 20}
